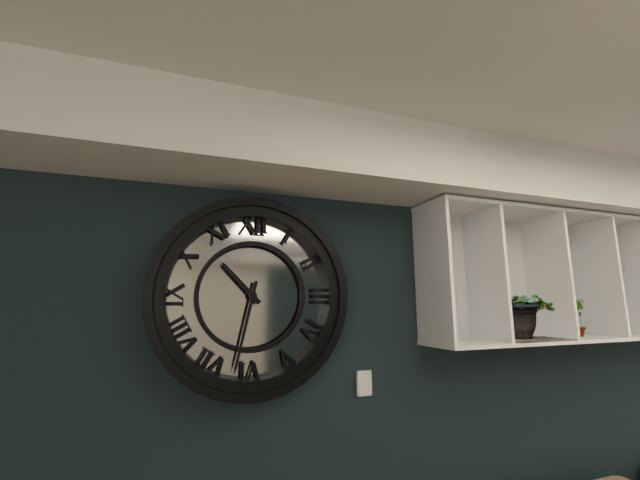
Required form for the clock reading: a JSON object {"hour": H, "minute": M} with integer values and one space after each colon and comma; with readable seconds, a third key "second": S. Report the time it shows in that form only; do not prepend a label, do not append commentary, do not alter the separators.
{"hour": 10, "minute": 32}
